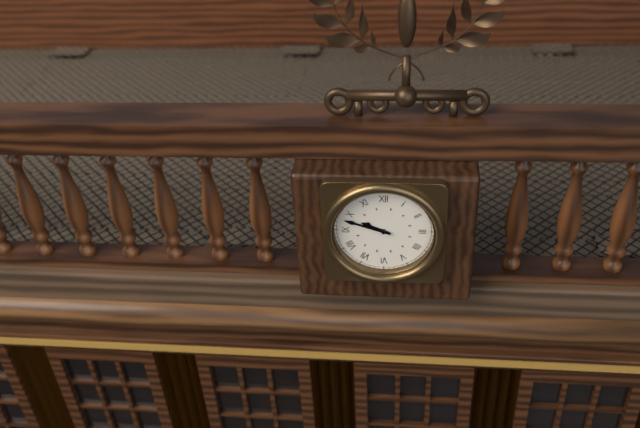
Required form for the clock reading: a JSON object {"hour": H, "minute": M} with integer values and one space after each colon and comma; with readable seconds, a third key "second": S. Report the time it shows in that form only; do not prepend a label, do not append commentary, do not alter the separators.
{"hour": 9, "minute": 48}
